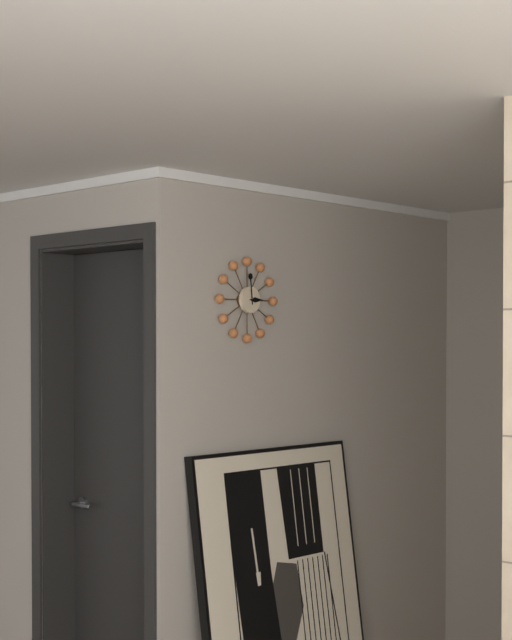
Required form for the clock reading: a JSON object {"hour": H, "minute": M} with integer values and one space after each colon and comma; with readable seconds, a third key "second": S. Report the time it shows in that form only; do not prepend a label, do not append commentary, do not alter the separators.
{"hour": 2, "minute": 59}
